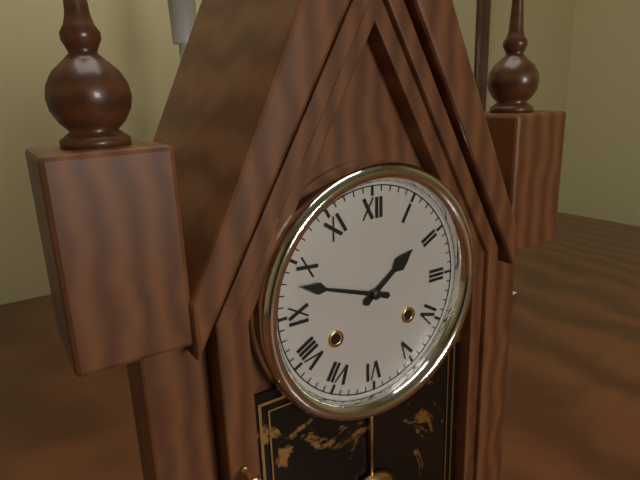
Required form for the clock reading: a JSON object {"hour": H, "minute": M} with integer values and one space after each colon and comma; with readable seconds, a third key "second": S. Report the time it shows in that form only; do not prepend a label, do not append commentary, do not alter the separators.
{"hour": 1, "minute": 48}
